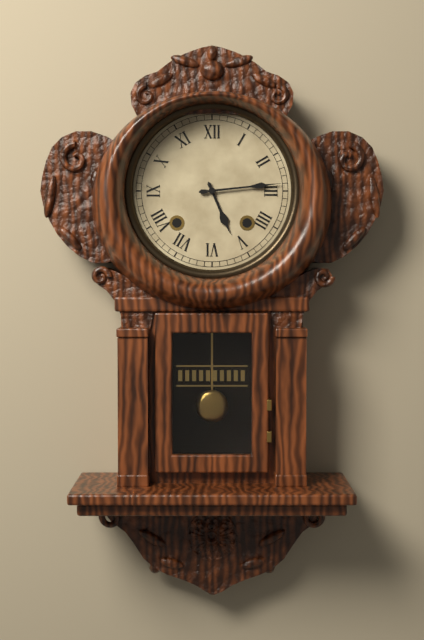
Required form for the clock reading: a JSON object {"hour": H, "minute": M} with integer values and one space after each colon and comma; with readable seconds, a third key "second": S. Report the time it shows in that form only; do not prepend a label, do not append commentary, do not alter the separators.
{"hour": 5, "minute": 14}
